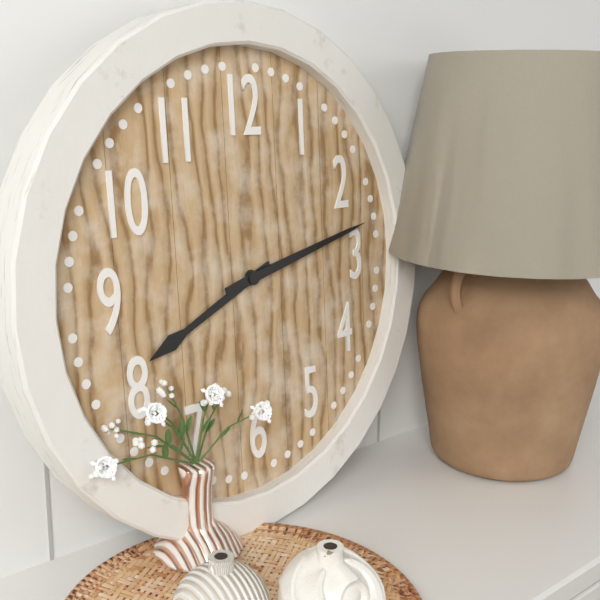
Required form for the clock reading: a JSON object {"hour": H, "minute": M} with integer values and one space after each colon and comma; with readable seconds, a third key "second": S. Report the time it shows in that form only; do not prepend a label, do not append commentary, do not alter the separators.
{"hour": 8, "minute": 13}
